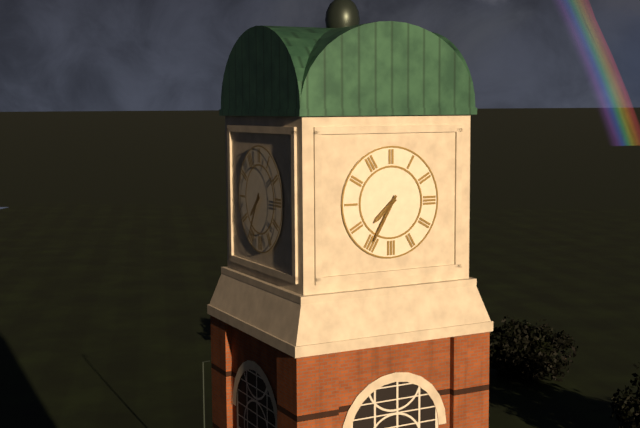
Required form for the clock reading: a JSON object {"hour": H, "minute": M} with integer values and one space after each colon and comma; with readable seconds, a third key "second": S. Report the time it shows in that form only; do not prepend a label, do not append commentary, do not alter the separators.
{"hour": 7, "minute": 35}
